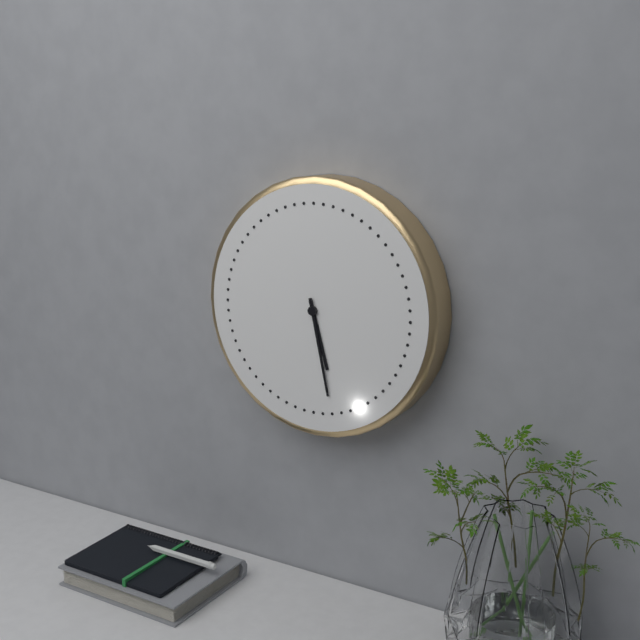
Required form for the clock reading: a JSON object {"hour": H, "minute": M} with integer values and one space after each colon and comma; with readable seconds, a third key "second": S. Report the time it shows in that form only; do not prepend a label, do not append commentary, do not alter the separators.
{"hour": 5, "minute": 28}
